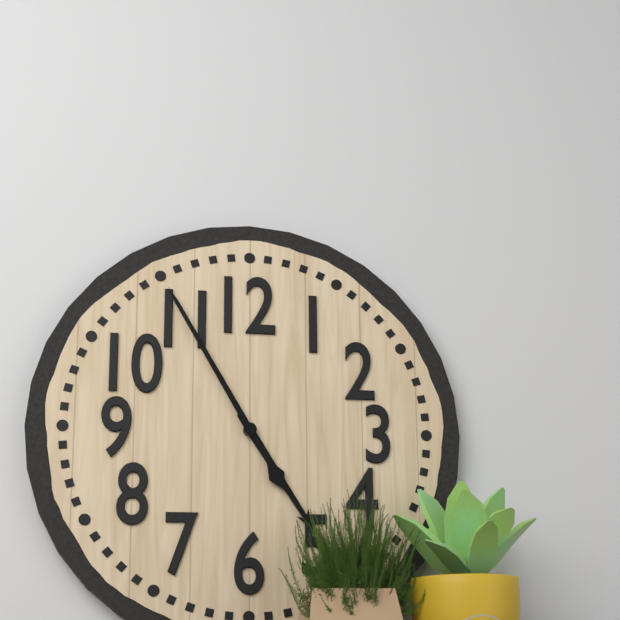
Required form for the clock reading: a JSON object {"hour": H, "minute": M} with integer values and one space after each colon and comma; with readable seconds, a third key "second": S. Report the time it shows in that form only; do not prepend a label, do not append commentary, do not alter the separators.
{"hour": 4, "minute": 55}
